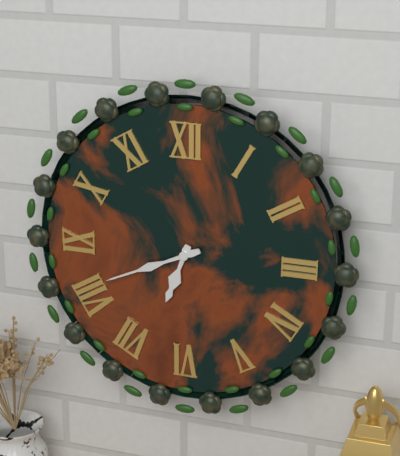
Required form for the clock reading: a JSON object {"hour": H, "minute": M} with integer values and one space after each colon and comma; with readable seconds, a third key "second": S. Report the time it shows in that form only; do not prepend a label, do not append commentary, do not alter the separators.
{"hour": 6, "minute": 41}
